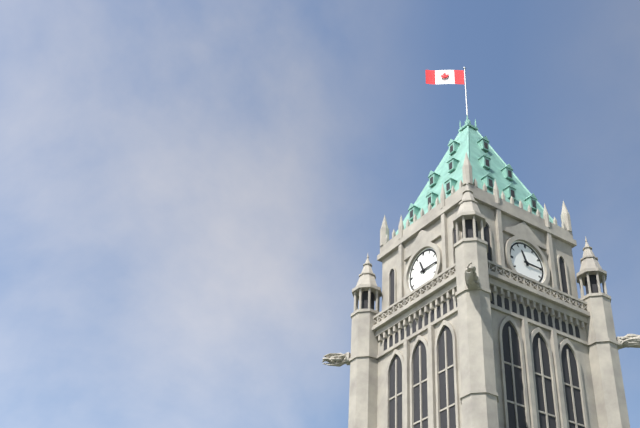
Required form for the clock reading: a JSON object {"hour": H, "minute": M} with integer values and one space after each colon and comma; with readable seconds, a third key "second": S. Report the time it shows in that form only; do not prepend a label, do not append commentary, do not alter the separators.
{"hour": 11, "minute": 15}
